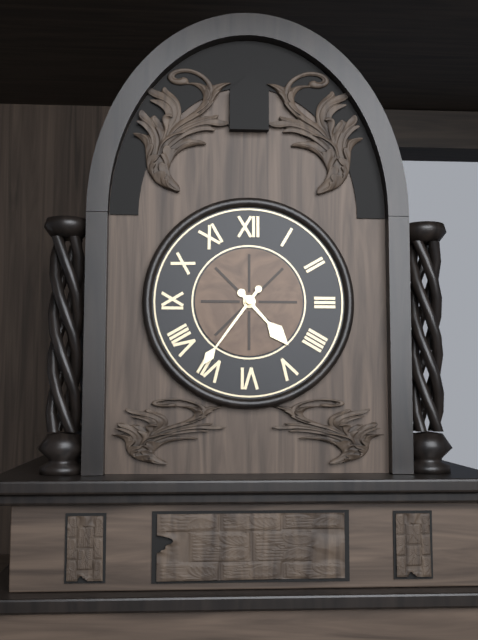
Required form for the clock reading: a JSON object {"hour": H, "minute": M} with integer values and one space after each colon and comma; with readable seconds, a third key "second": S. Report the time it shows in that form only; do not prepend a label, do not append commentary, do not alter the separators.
{"hour": 4, "minute": 36}
